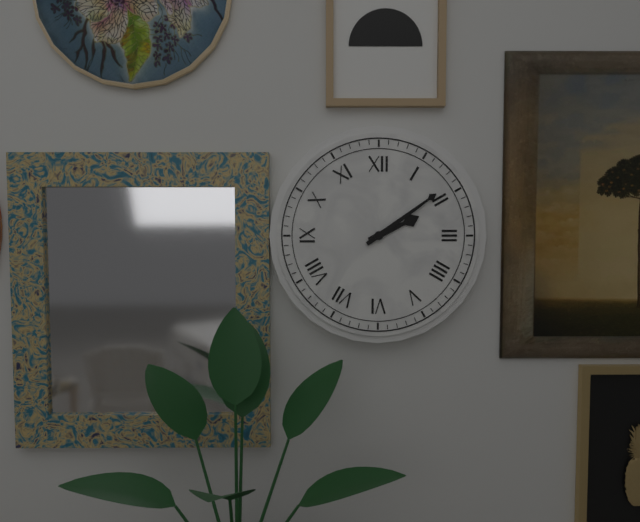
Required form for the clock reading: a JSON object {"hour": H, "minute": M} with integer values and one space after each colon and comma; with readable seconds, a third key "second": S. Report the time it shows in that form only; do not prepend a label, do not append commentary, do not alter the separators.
{"hour": 2, "minute": 9}
